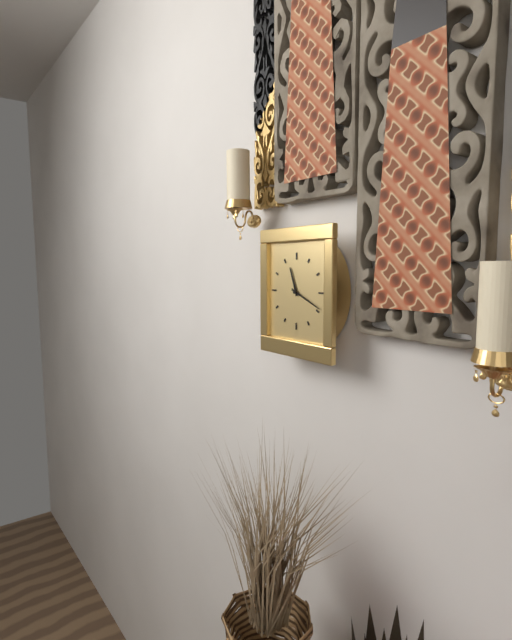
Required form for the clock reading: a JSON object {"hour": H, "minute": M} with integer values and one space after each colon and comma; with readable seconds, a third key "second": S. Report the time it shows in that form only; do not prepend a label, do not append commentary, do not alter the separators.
{"hour": 11, "minute": 19}
